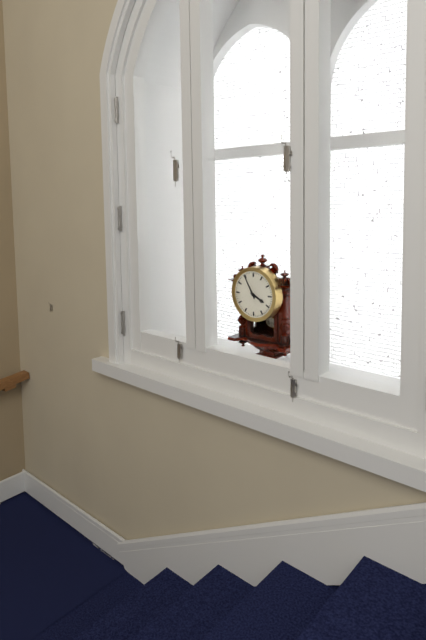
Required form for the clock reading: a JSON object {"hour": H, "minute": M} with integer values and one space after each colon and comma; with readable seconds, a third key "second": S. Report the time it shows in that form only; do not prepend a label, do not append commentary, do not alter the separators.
{"hour": 3, "minute": 55}
